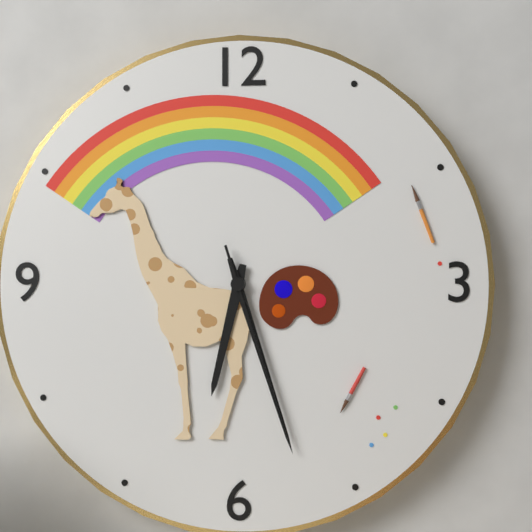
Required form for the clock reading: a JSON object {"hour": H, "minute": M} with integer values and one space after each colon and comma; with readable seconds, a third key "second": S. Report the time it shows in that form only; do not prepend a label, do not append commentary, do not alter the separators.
{"hour": 6, "minute": 27, "second": 27}
